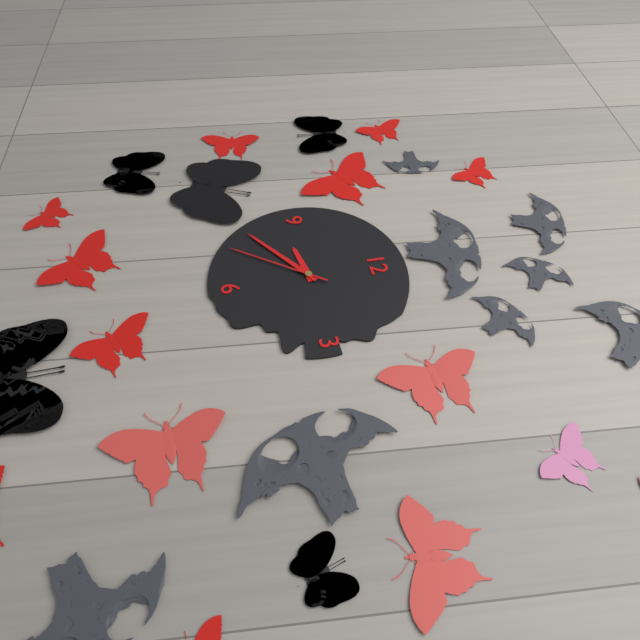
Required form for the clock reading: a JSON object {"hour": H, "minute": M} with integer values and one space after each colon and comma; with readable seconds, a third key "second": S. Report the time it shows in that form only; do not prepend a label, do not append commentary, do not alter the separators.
{"hour": 8, "minute": 39, "second": 36}
